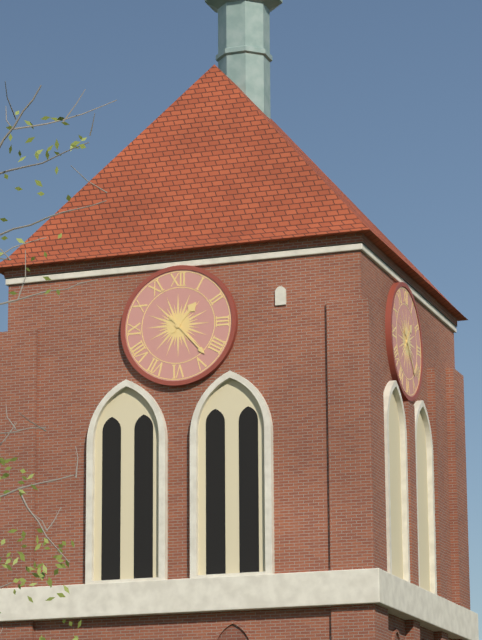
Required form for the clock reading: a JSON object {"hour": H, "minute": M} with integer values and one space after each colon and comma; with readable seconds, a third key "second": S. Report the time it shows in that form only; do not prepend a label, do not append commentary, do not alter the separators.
{"hour": 1, "minute": 23}
